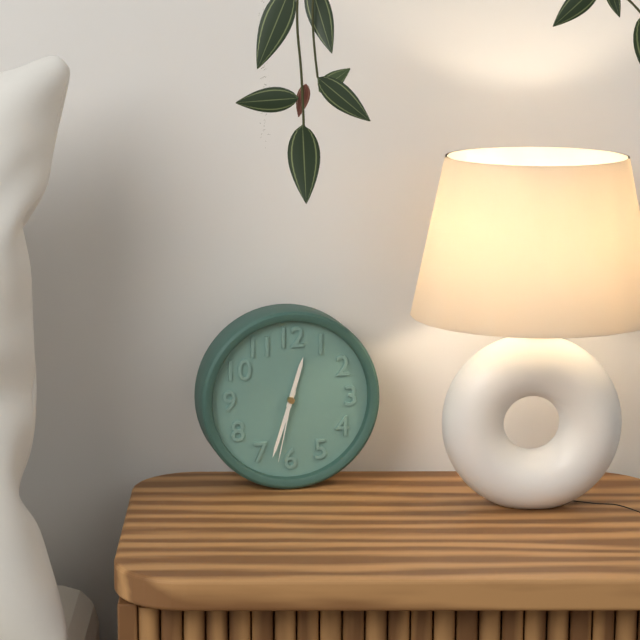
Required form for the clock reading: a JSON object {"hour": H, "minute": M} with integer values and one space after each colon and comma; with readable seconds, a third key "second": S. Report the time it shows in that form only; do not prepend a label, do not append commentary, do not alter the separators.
{"hour": 12, "minute": 33, "second": 32}
